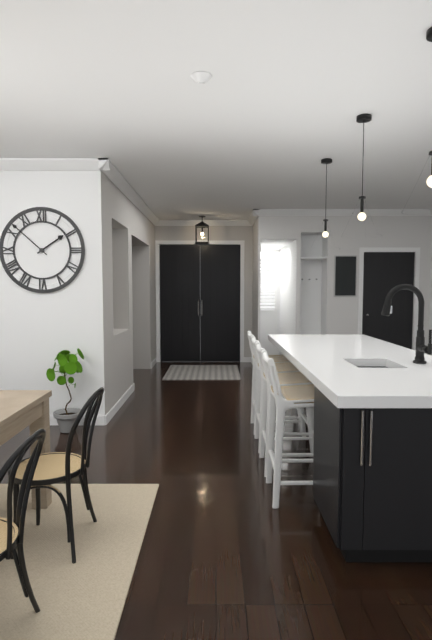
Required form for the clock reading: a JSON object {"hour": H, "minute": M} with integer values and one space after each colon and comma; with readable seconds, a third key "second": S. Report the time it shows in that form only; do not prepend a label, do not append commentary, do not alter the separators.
{"hour": 1, "minute": 52}
